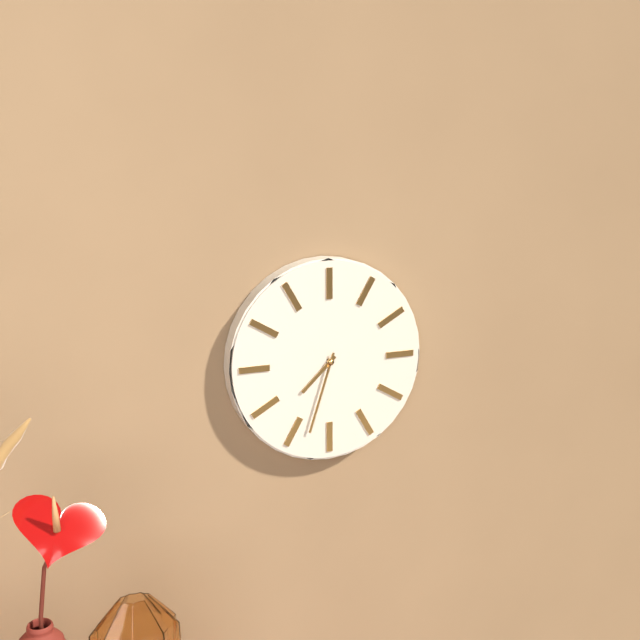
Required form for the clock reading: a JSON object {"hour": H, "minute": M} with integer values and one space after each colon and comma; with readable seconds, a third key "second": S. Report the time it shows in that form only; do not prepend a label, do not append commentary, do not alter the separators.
{"hour": 7, "minute": 33}
